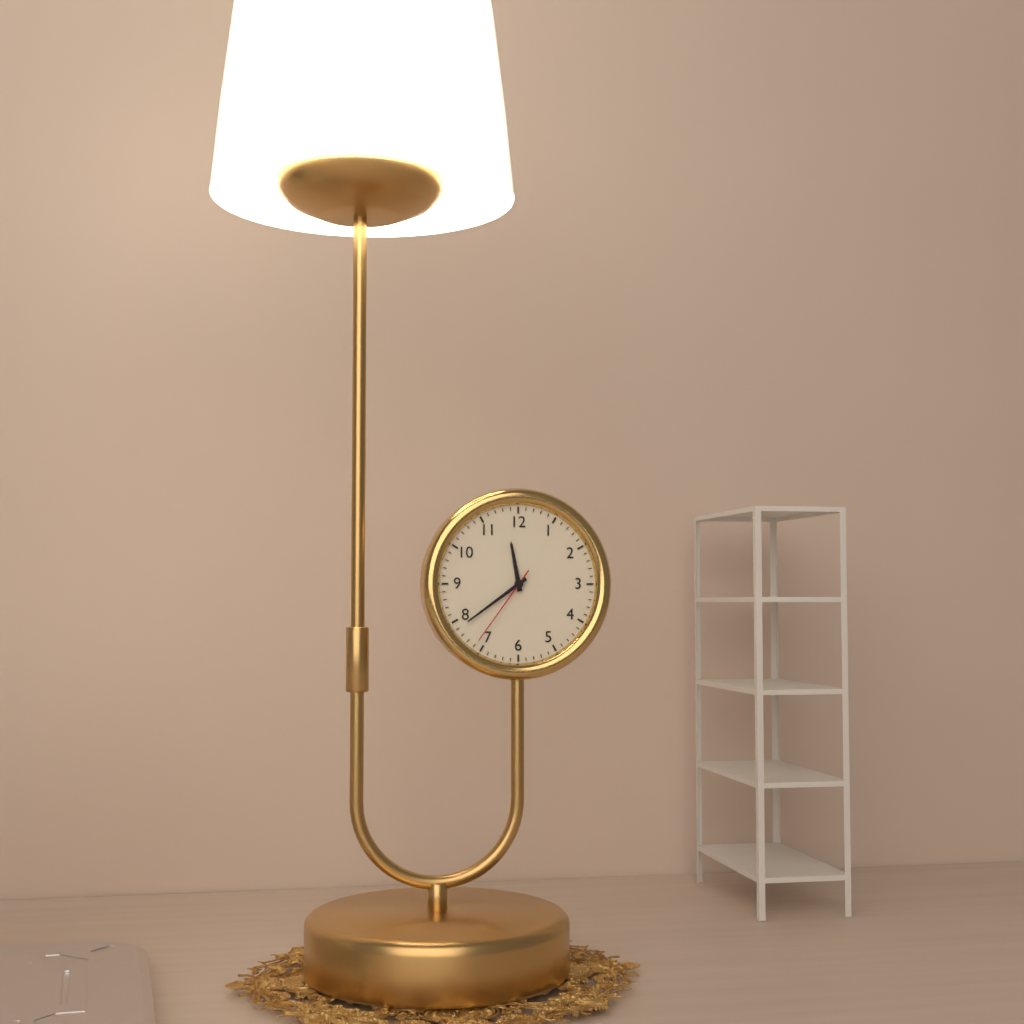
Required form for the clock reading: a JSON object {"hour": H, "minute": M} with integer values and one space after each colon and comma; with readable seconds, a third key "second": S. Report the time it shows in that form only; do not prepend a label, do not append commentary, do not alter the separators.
{"hour": 11, "minute": 39, "second": 36}
